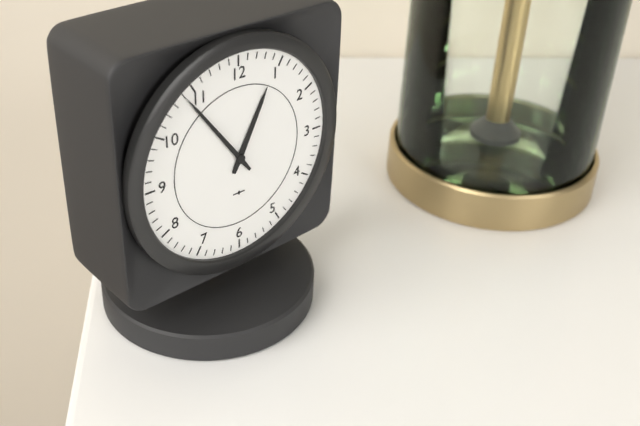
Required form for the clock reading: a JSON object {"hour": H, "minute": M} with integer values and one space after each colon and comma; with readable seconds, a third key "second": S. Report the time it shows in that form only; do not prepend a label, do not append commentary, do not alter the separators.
{"hour": 12, "minute": 54}
